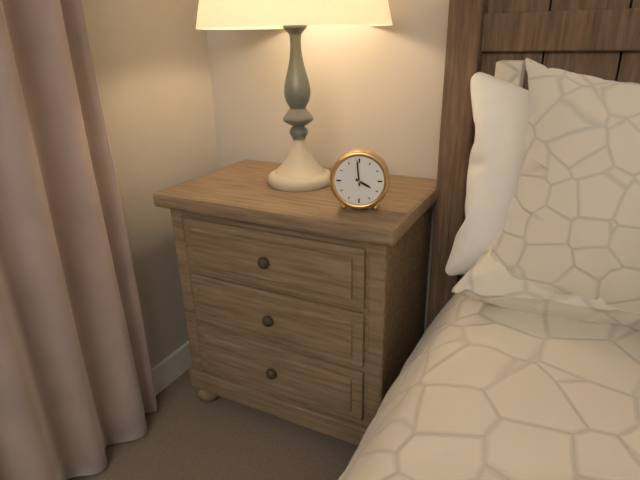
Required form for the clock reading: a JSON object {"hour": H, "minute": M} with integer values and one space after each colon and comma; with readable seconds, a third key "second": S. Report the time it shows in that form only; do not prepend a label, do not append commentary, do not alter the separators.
{"hour": 3, "minute": 59}
